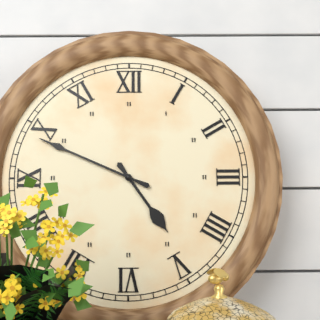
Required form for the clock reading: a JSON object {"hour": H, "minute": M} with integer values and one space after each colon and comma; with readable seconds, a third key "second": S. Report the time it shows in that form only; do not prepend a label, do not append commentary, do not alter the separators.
{"hour": 4, "minute": 49}
